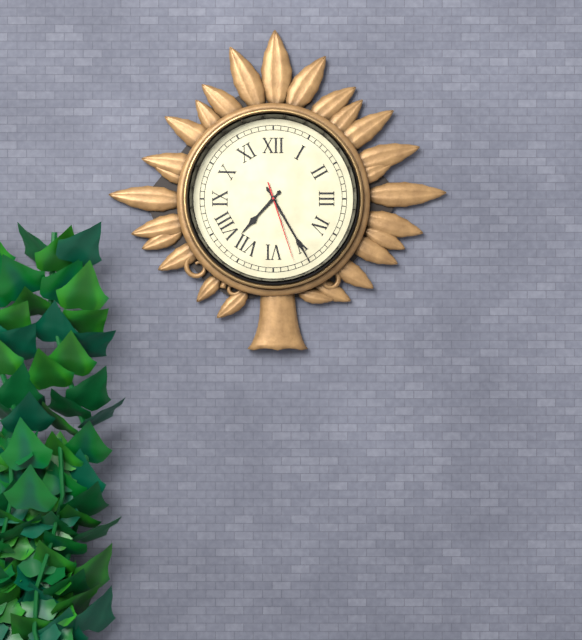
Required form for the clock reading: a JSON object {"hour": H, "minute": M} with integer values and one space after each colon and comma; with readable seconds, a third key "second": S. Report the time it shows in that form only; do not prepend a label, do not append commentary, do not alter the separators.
{"hour": 7, "minute": 25, "second": 27}
